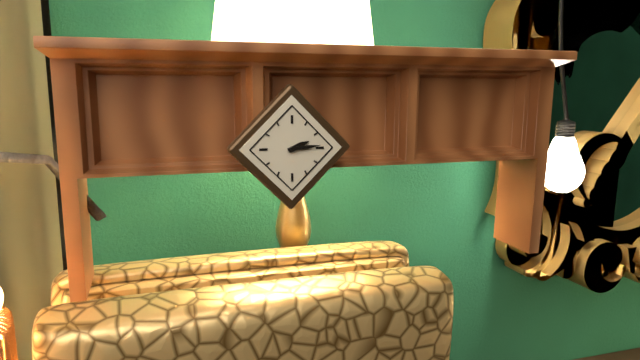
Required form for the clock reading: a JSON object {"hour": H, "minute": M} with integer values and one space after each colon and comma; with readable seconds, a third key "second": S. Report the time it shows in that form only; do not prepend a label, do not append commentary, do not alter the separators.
{"hour": 2, "minute": 14}
